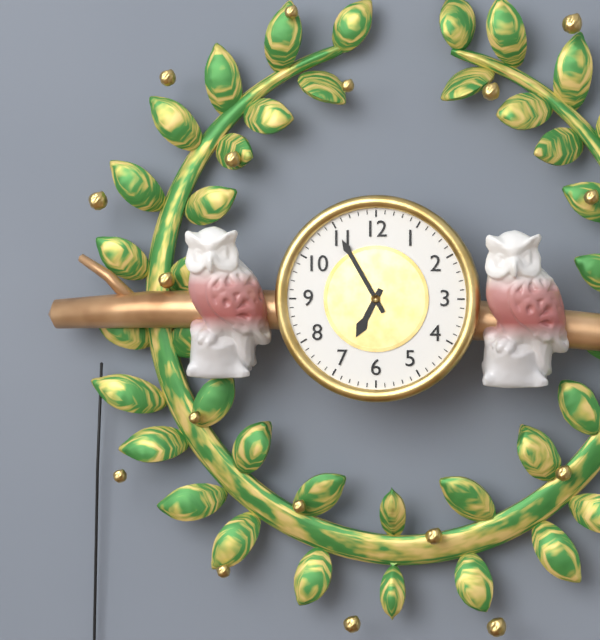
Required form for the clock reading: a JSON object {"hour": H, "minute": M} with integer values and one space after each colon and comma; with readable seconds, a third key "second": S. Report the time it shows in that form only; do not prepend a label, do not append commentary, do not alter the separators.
{"hour": 6, "minute": 55}
